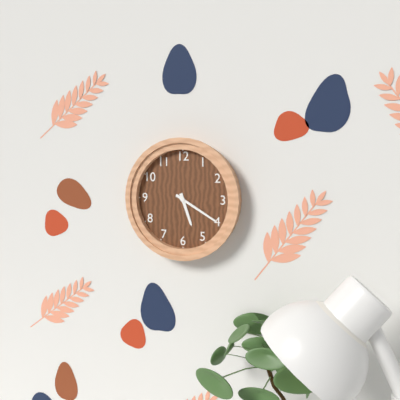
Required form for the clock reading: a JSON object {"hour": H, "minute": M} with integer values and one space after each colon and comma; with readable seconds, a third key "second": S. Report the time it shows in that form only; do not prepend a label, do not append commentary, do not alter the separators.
{"hour": 5, "minute": 20}
